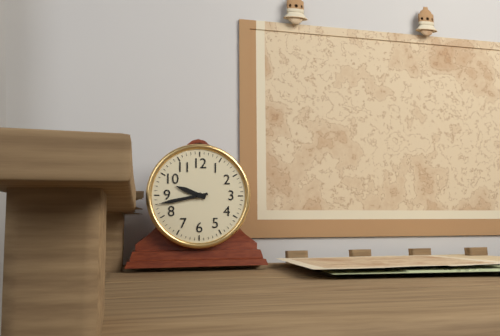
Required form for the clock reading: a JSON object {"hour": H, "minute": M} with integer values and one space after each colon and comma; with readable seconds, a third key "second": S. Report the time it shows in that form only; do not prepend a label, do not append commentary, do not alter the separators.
{"hour": 9, "minute": 43}
